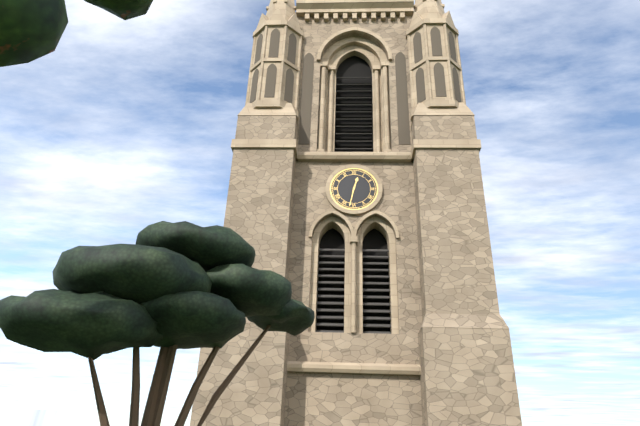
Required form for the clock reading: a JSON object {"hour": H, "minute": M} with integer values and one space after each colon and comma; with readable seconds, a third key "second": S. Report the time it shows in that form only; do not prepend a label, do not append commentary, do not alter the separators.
{"hour": 12, "minute": 32}
